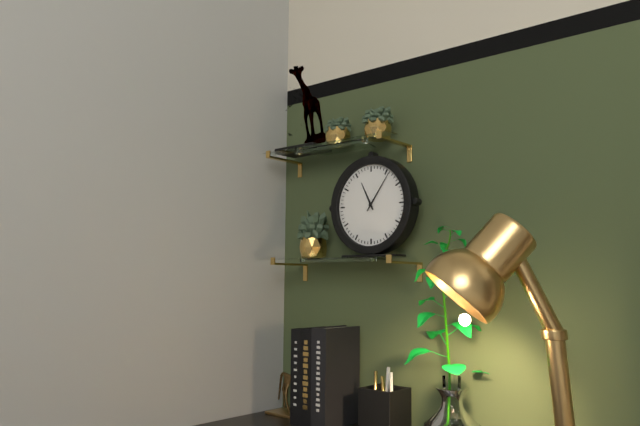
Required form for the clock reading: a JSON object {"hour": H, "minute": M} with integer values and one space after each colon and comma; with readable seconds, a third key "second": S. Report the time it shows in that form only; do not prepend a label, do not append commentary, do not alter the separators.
{"hour": 11, "minute": 6}
